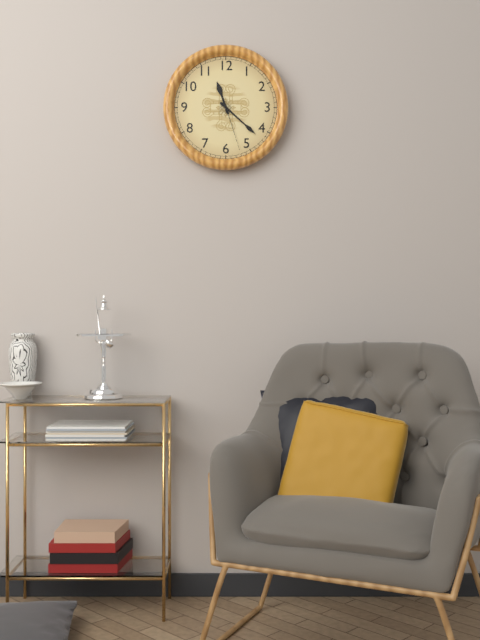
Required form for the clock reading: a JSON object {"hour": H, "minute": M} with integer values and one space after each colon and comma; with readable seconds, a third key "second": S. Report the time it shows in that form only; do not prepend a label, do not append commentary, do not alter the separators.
{"hour": 11, "minute": 22, "second": 27}
